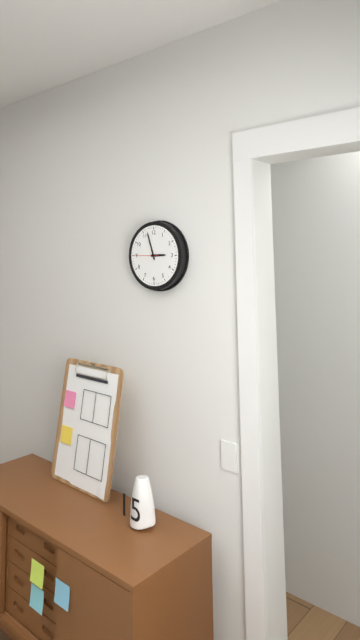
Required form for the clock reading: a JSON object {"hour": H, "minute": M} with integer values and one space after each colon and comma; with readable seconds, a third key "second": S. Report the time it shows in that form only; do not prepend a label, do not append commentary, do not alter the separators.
{"hour": 2, "minute": 57}
